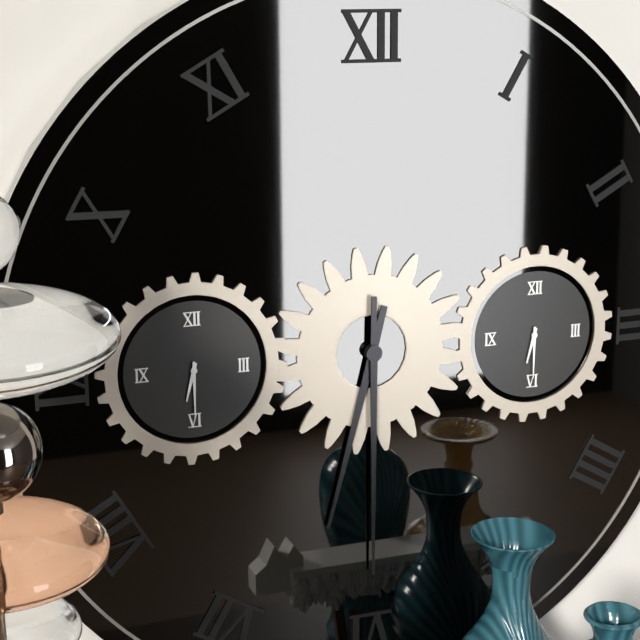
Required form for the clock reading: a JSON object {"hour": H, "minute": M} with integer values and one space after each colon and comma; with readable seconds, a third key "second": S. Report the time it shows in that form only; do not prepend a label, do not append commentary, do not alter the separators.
{"hour": 6, "minute": 30}
